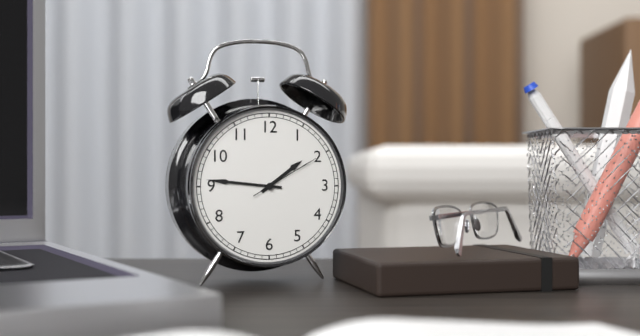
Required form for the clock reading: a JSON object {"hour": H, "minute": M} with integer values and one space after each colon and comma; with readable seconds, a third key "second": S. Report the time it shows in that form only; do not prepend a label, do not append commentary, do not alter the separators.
{"hour": 1, "minute": 46, "second": 10}
